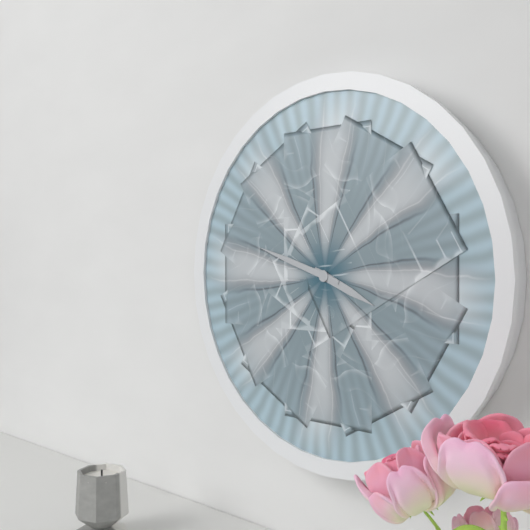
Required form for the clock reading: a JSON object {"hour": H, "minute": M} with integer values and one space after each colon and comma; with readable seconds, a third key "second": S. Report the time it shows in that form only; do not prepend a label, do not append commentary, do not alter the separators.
{"hour": 3, "minute": 48}
